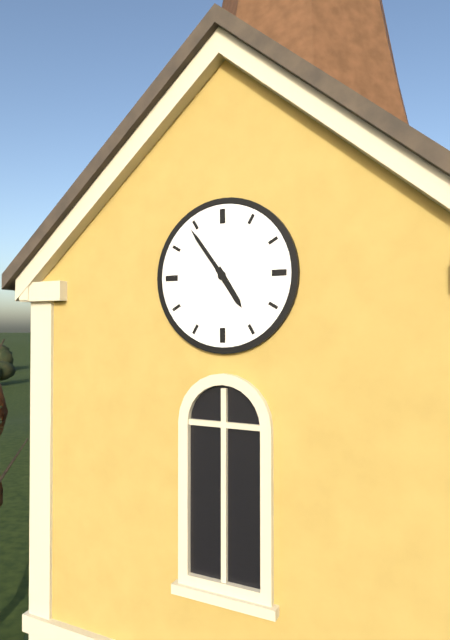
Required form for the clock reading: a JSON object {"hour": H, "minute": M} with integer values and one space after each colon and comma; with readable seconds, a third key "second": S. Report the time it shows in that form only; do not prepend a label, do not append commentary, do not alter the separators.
{"hour": 4, "minute": 54}
